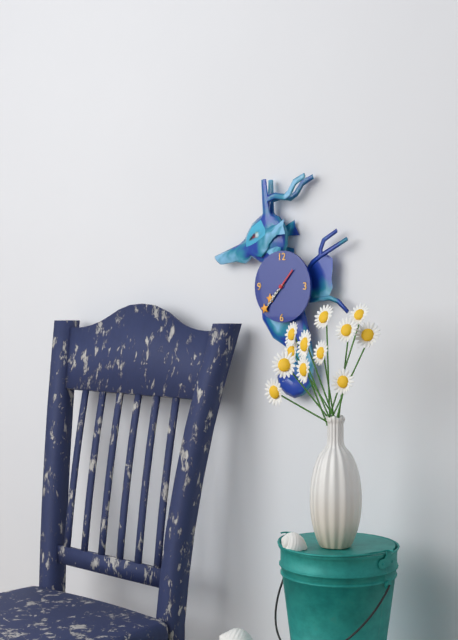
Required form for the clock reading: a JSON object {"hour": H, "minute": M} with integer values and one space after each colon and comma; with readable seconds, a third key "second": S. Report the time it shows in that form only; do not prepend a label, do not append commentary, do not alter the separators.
{"hour": 7, "minute": 37}
